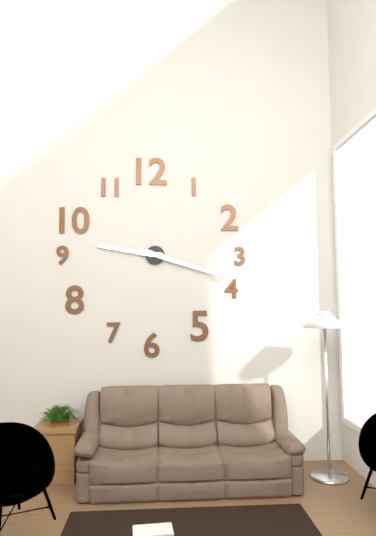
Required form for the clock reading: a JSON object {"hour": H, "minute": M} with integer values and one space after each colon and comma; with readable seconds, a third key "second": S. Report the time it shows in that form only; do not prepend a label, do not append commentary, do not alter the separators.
{"hour": 9, "minute": 18}
